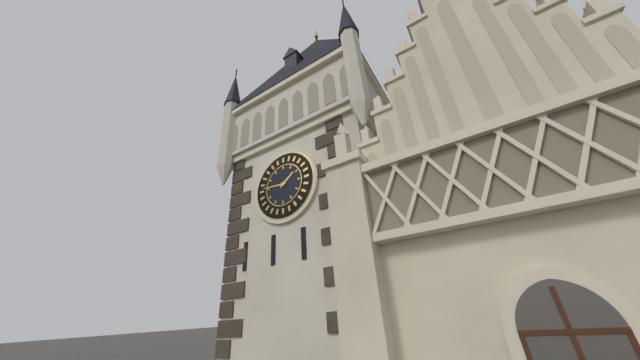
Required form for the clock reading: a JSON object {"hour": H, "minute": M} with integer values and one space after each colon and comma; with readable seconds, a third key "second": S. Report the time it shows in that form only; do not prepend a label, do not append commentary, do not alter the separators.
{"hour": 1, "minute": 46}
